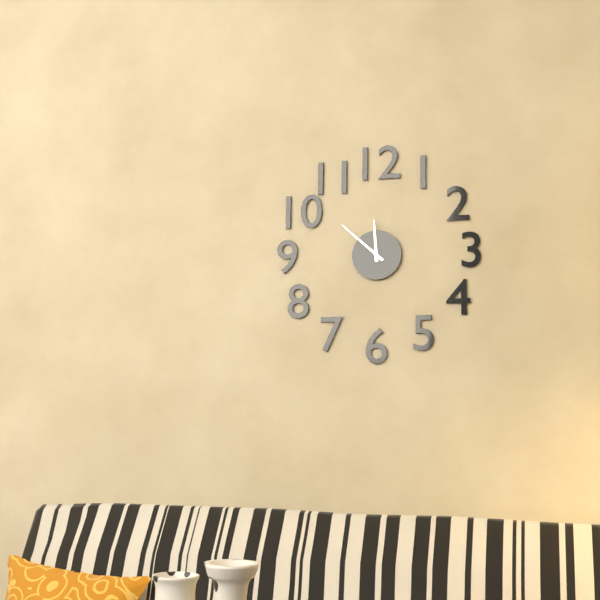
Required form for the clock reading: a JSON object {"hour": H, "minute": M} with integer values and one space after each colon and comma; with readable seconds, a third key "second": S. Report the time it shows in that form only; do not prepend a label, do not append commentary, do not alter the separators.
{"hour": 11, "minute": 52}
